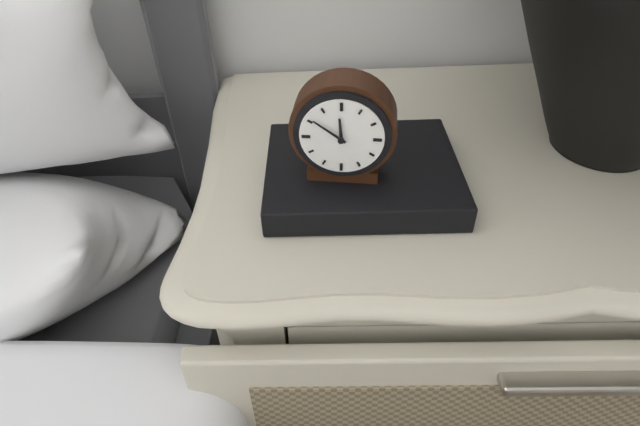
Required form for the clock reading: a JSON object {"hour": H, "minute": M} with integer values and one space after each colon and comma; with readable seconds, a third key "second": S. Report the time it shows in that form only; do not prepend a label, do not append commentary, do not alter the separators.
{"hour": 11, "minute": 51}
